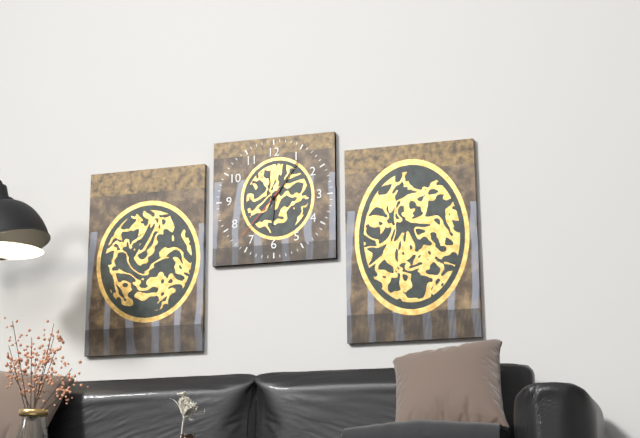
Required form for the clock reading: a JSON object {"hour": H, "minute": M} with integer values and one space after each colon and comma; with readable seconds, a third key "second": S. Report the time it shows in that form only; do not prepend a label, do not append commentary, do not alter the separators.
{"hour": 6, "minute": 6, "second": 37}
